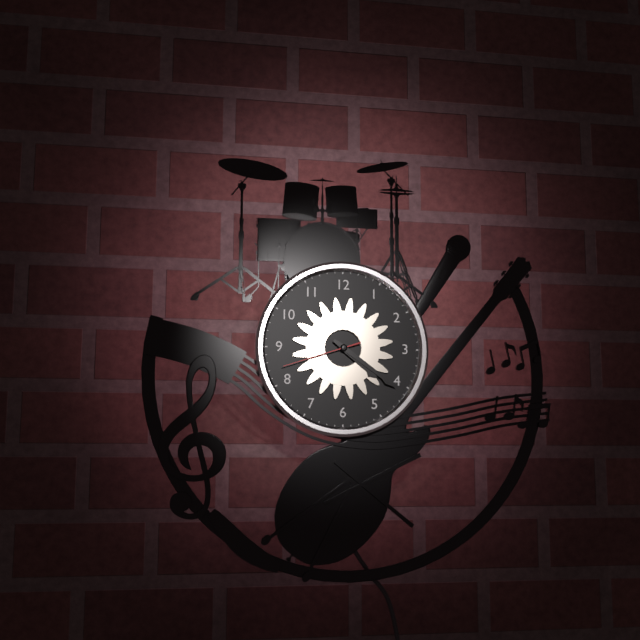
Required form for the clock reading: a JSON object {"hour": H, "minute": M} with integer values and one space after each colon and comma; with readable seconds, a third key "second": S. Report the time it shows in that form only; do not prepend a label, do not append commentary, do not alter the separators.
{"hour": 4, "minute": 21, "second": 42}
